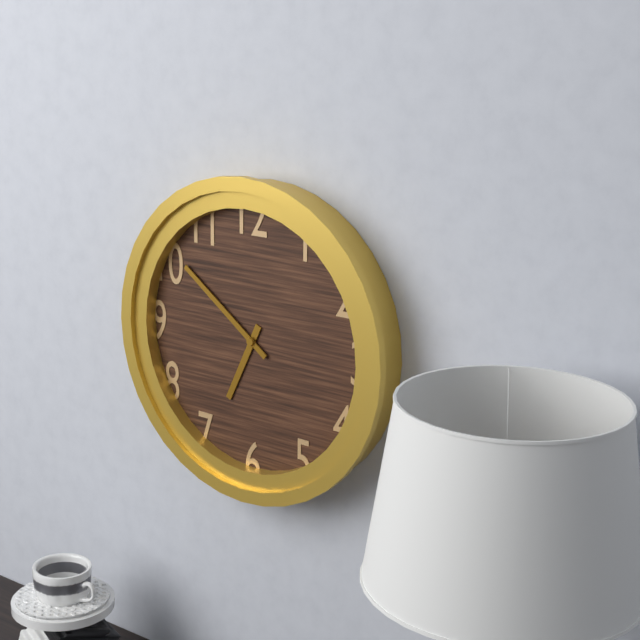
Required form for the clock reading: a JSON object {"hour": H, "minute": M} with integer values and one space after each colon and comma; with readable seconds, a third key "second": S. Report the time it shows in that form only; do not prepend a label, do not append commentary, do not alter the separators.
{"hour": 6, "minute": 51}
